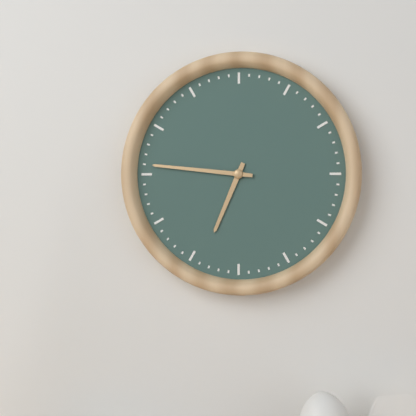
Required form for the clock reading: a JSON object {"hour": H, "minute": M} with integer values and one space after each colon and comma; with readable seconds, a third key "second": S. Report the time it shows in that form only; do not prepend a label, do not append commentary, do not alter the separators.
{"hour": 6, "minute": 46}
